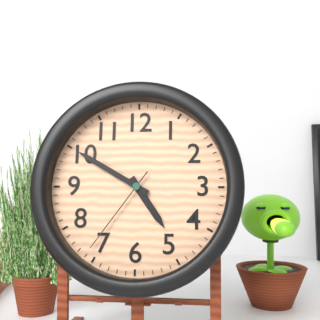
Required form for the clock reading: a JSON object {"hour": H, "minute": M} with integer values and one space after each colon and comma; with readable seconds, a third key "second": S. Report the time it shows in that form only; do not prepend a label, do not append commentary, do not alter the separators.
{"hour": 4, "minute": 50, "second": 36}
